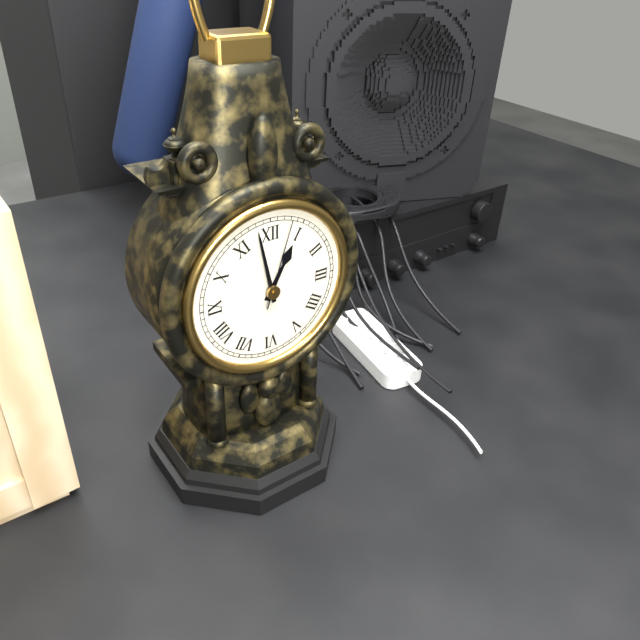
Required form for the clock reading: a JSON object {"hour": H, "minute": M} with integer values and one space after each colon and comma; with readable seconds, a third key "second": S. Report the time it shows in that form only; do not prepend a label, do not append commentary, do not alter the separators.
{"hour": 12, "minute": 58, "second": 3}
